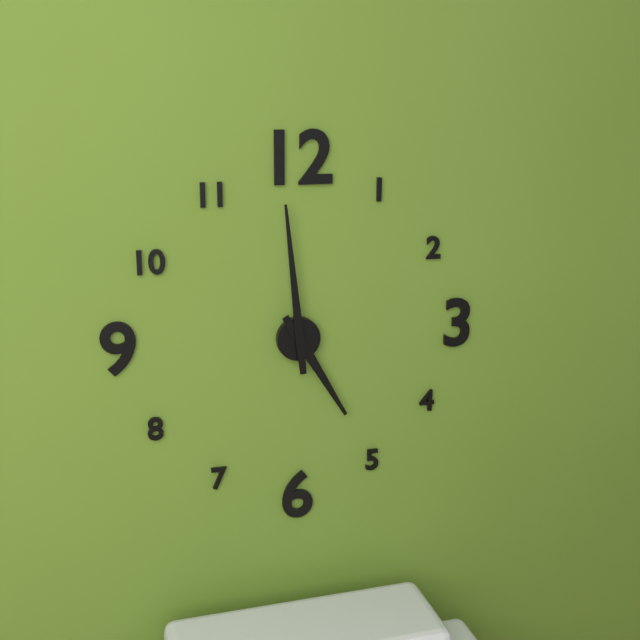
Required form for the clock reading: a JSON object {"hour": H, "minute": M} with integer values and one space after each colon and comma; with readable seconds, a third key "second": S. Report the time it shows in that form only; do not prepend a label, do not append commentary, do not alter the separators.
{"hour": 4, "minute": 59}
